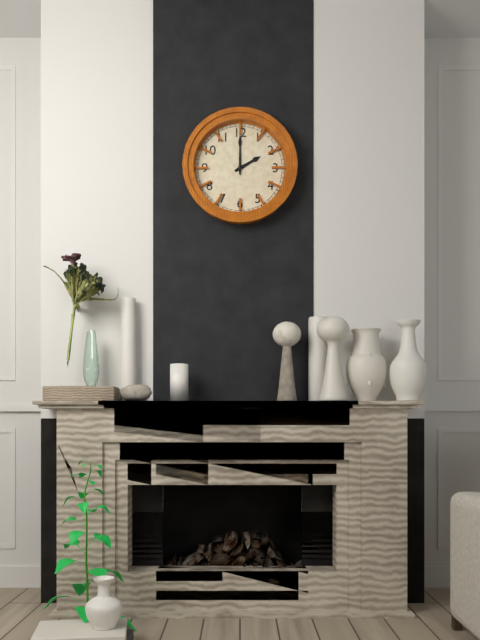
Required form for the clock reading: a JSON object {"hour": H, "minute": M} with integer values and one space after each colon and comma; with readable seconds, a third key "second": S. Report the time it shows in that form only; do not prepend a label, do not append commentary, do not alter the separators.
{"hour": 2, "minute": 0}
